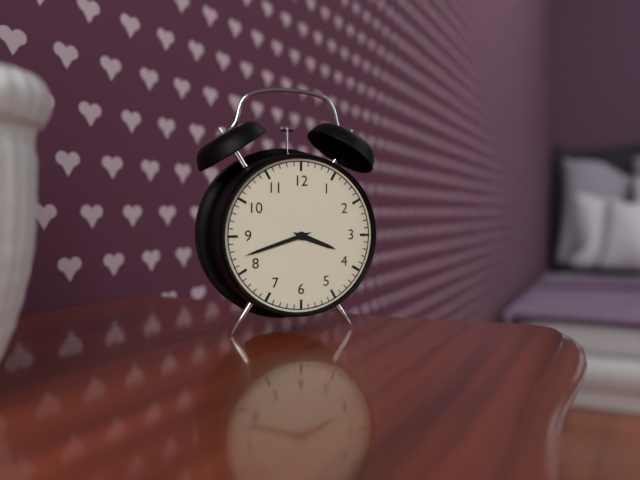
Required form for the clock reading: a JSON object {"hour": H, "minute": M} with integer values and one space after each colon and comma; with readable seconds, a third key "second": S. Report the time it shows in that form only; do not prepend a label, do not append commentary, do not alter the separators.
{"hour": 3, "minute": 42}
